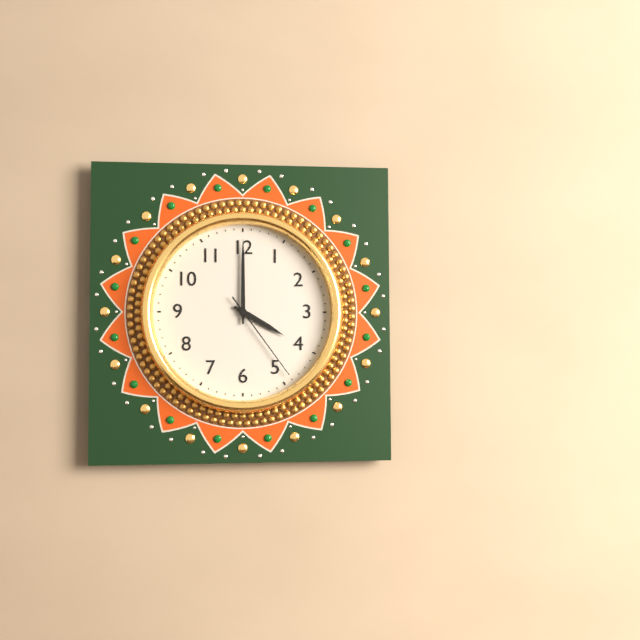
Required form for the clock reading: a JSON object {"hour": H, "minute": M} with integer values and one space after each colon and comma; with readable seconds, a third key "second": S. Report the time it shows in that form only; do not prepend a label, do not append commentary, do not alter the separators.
{"hour": 4, "minute": 0, "second": 24}
